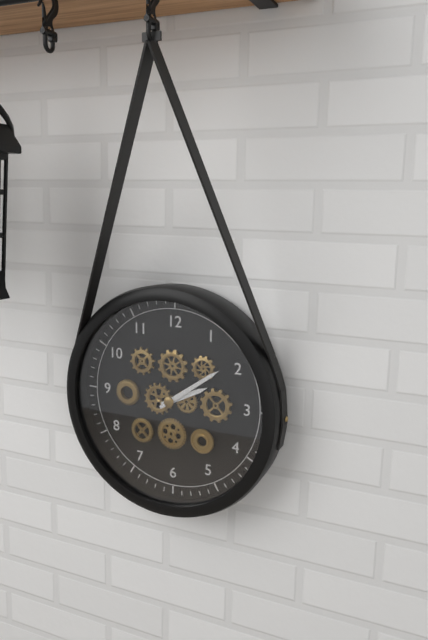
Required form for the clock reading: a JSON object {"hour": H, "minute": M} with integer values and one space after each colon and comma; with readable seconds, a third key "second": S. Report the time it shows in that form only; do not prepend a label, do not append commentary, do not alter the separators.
{"hour": 2, "minute": 9}
